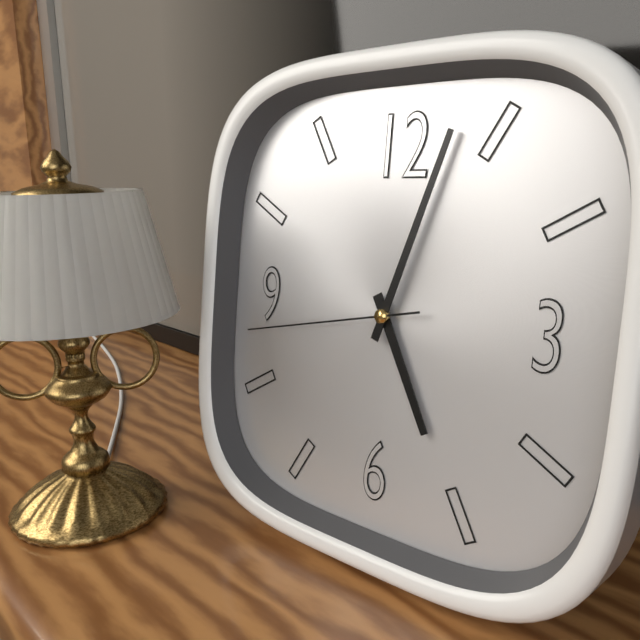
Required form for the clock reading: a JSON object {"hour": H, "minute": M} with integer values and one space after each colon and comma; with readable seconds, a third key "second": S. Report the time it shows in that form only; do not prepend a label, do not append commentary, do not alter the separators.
{"hour": 5, "minute": 3, "second": 43}
